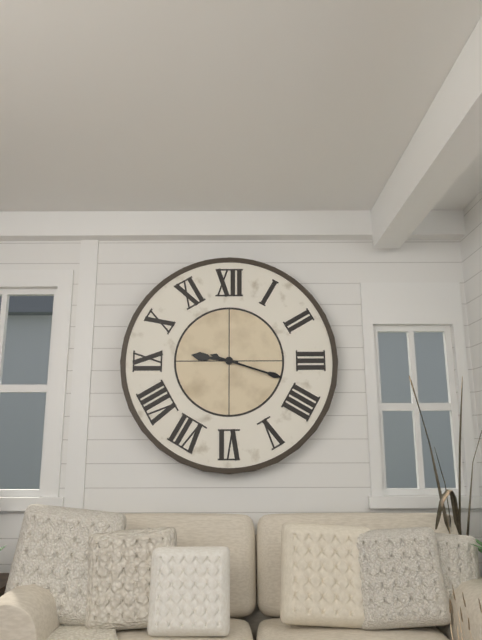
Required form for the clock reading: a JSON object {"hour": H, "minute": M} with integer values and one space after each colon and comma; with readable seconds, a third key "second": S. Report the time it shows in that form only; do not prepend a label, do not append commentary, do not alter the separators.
{"hour": 9, "minute": 18}
